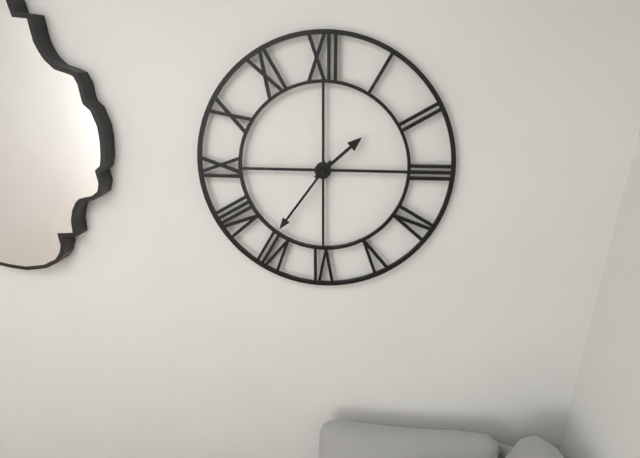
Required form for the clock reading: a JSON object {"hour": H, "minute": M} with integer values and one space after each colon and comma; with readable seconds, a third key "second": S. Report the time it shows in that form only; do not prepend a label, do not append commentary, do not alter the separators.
{"hour": 1, "minute": 36}
